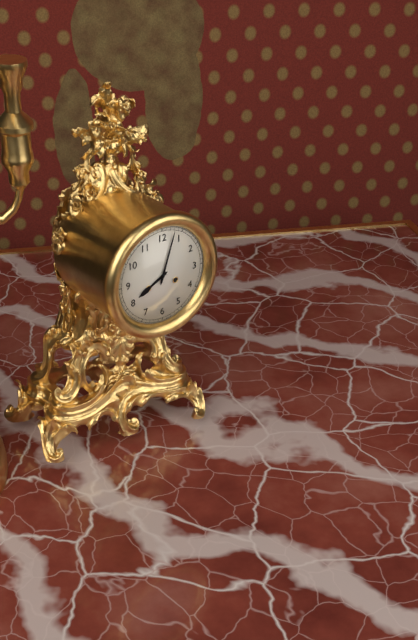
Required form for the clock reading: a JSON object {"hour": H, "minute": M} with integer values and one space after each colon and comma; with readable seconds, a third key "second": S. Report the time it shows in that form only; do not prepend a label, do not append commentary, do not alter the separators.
{"hour": 8, "minute": 3}
